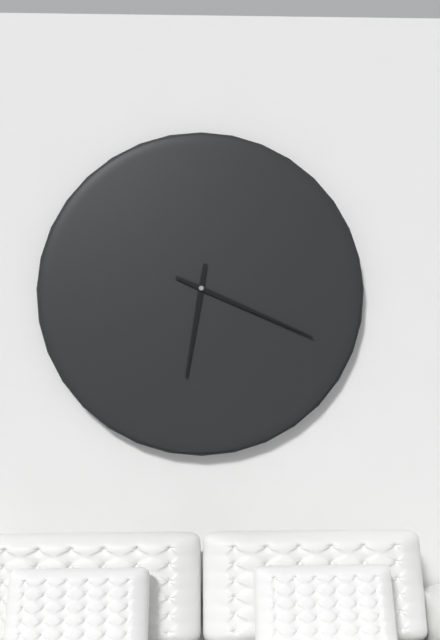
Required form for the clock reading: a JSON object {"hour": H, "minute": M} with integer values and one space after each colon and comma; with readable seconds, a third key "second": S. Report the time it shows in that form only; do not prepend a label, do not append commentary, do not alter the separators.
{"hour": 6, "minute": 19}
